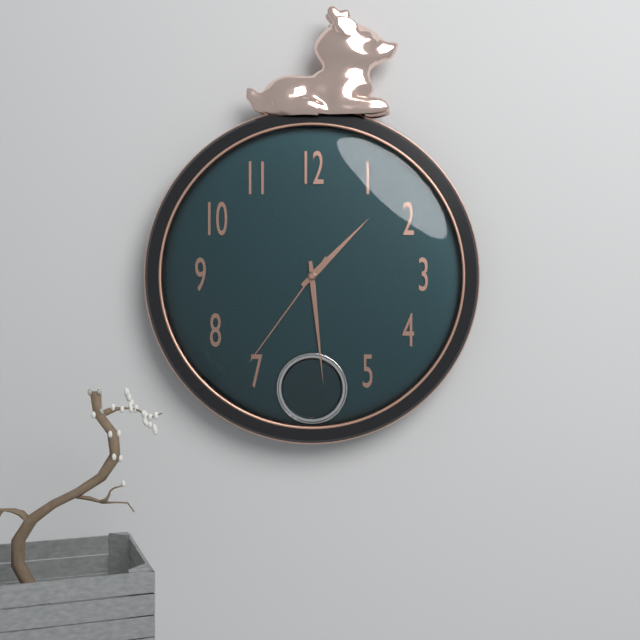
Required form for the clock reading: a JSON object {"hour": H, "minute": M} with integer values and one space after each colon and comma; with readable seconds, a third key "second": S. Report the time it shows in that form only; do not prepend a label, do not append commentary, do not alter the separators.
{"hour": 1, "minute": 29, "second": 36}
